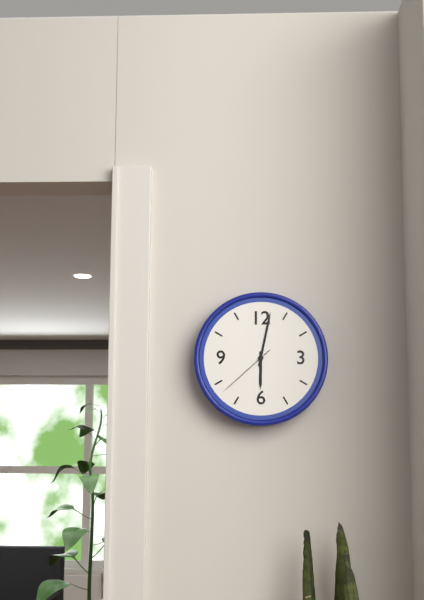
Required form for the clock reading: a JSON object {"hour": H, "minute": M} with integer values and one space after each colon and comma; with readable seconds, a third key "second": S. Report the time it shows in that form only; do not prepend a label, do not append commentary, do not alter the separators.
{"hour": 6, "minute": 2, "second": 38}
